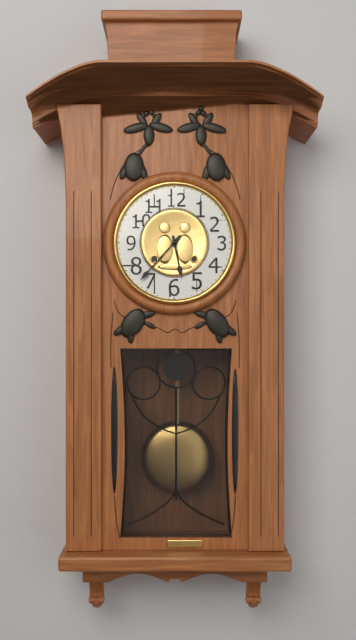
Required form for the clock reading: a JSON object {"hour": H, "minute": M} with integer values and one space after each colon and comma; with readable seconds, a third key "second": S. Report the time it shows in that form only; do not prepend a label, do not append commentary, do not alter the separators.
{"hour": 5, "minute": 37}
